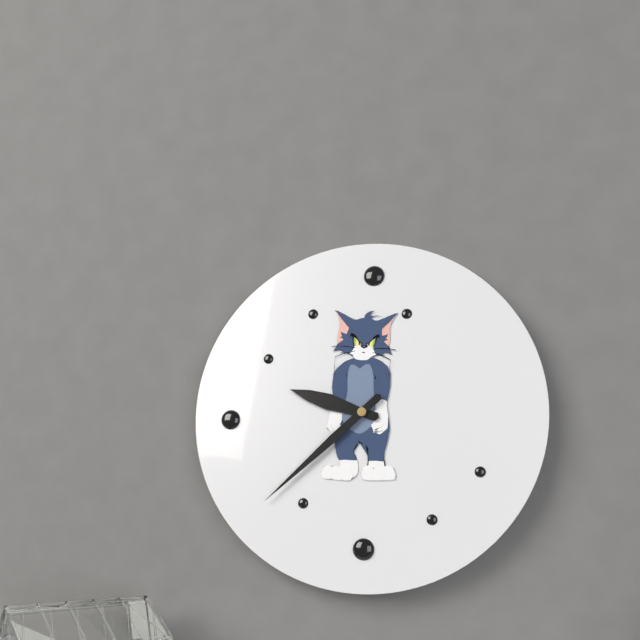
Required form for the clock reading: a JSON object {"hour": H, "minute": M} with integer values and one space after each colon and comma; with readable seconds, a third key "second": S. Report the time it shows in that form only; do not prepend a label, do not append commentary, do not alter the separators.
{"hour": 9, "minute": 38}
